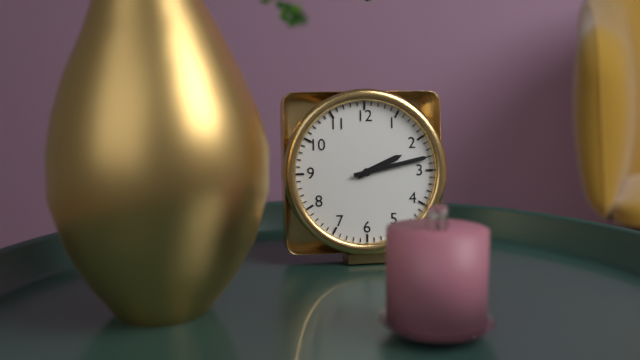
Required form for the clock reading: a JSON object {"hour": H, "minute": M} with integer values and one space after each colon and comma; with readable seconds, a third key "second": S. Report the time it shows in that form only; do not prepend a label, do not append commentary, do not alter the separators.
{"hour": 2, "minute": 13}
